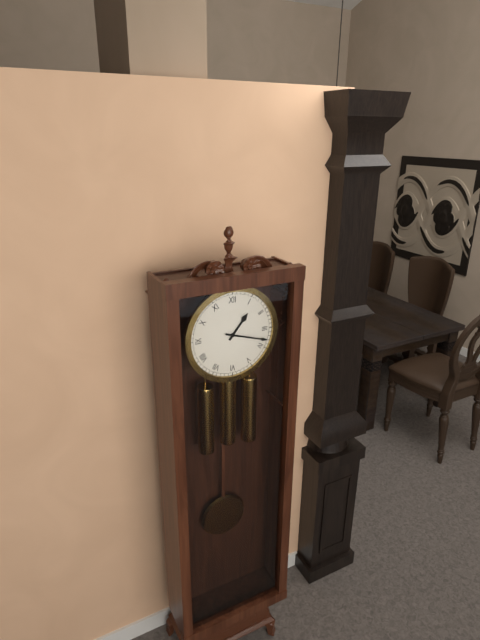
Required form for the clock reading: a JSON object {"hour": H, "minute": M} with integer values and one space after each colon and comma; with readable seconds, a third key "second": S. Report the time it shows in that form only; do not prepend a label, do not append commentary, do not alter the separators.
{"hour": 1, "minute": 18}
